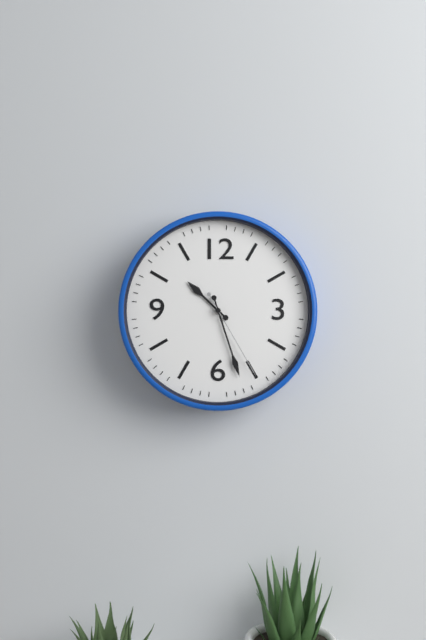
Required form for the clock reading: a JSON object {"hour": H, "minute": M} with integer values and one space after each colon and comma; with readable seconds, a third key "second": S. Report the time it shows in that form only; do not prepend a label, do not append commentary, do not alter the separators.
{"hour": 10, "minute": 27, "second": 25}
